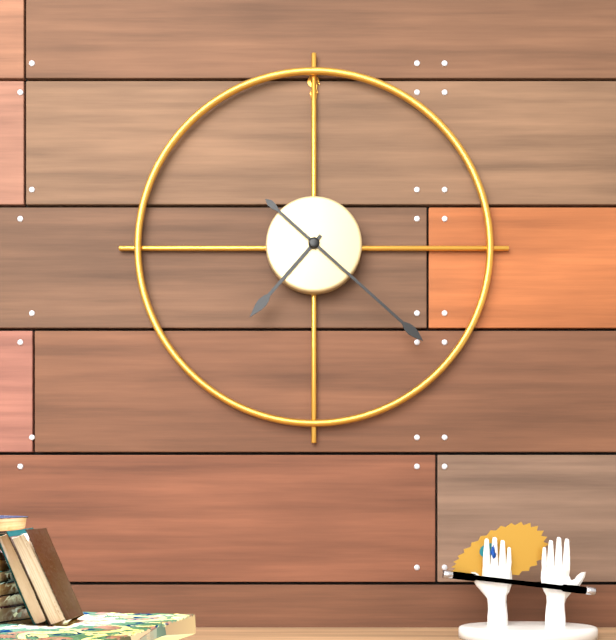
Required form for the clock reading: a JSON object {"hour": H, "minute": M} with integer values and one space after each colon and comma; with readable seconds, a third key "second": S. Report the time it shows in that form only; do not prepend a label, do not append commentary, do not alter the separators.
{"hour": 7, "minute": 22}
